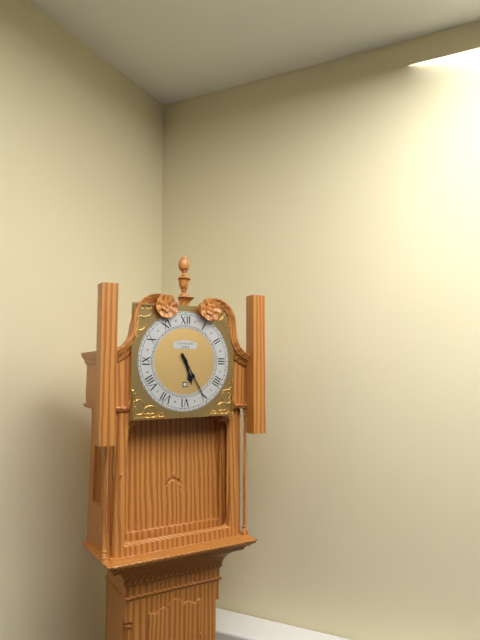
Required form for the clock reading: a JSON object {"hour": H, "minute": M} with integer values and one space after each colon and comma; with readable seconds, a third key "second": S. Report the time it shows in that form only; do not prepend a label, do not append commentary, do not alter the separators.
{"hour": 5, "minute": 25}
